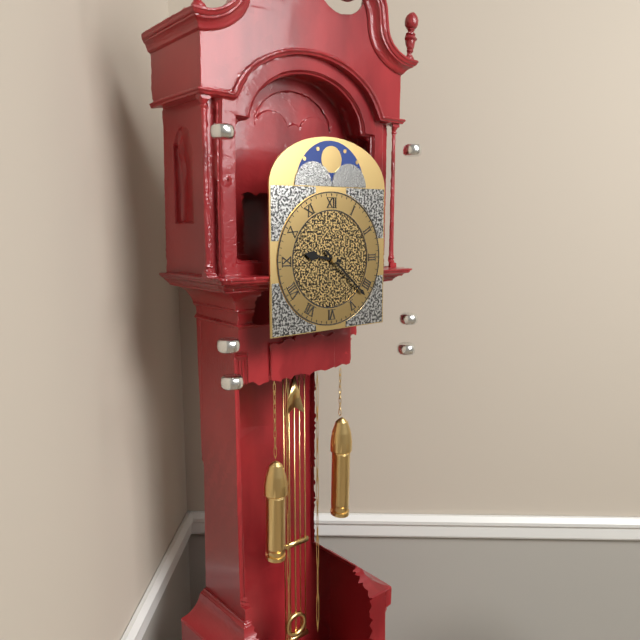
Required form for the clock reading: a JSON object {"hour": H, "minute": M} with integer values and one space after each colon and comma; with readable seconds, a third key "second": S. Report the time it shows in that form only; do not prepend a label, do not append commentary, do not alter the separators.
{"hour": 9, "minute": 22}
